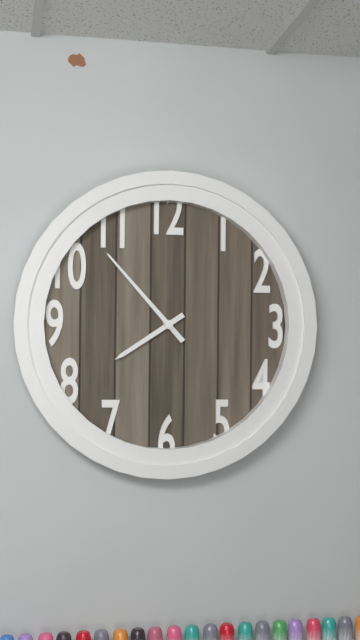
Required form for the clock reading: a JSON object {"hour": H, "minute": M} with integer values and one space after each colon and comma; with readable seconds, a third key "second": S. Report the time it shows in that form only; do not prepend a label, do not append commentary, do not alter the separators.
{"hour": 7, "minute": 53}
